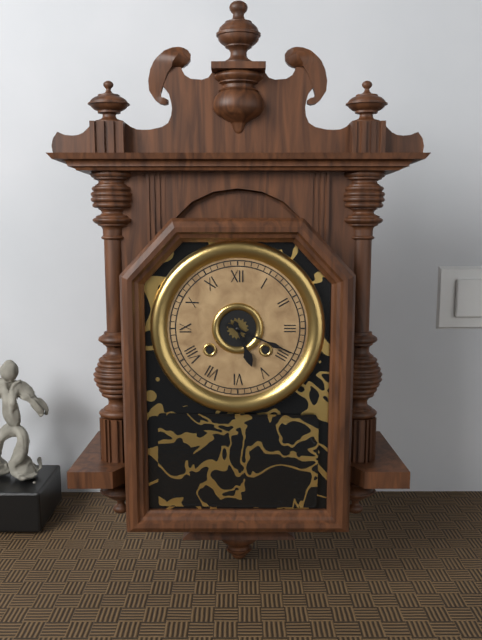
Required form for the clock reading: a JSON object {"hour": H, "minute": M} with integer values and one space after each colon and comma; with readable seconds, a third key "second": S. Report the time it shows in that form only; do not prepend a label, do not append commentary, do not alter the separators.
{"hour": 5, "minute": 19}
